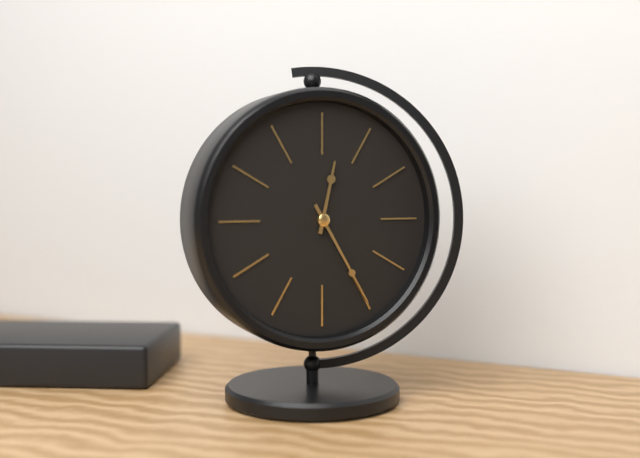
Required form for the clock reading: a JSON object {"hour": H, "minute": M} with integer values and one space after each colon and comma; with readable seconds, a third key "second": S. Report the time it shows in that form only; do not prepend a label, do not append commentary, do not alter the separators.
{"hour": 12, "minute": 25}
